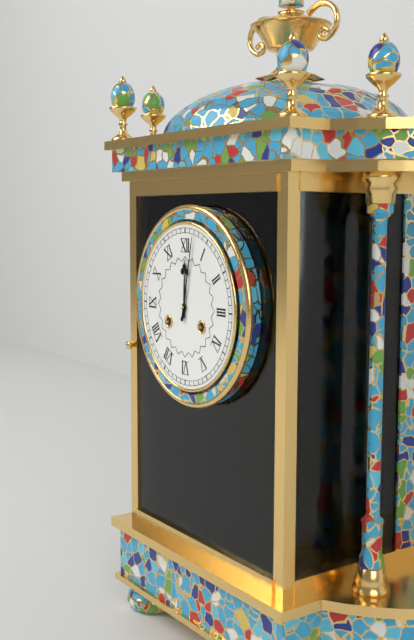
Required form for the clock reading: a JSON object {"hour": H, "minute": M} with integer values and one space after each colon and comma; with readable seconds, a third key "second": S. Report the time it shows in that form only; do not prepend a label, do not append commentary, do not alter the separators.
{"hour": 12, "minute": 2}
